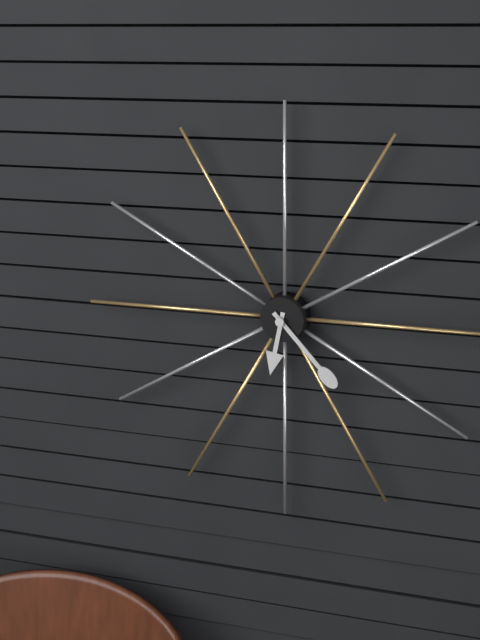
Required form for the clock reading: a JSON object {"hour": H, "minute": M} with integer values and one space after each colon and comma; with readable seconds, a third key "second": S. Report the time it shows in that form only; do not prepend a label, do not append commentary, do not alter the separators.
{"hour": 6, "minute": 23}
